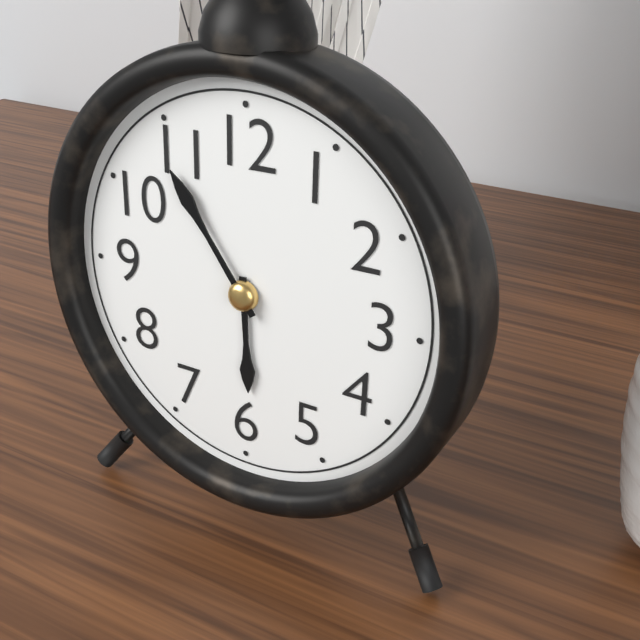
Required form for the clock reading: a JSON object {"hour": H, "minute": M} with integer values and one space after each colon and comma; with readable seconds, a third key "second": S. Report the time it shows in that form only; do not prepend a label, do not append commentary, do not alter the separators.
{"hour": 5, "minute": 54}
